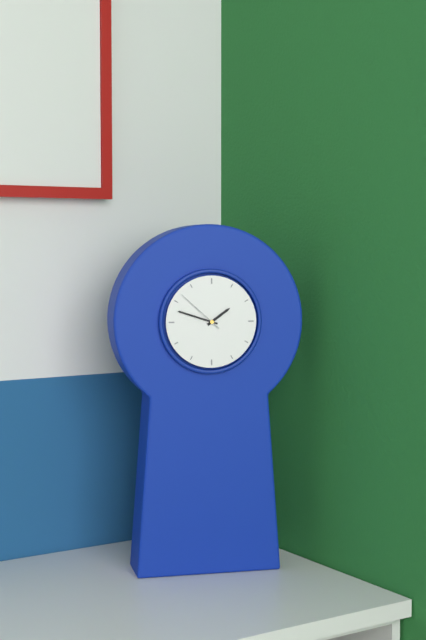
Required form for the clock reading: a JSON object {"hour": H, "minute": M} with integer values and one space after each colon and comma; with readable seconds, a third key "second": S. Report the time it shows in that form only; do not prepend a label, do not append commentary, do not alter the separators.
{"hour": 1, "minute": 48, "second": 52}
